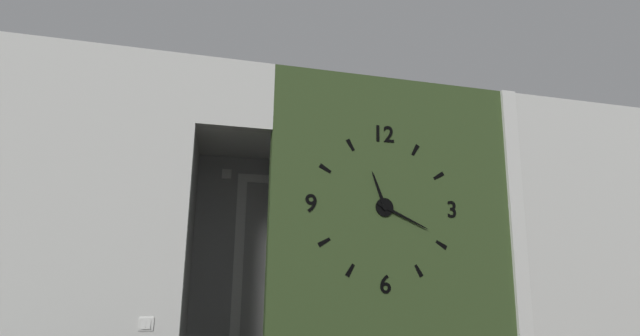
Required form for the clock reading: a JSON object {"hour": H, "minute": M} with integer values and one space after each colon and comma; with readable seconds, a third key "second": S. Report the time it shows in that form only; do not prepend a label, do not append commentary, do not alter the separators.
{"hour": 11, "minute": 19}
